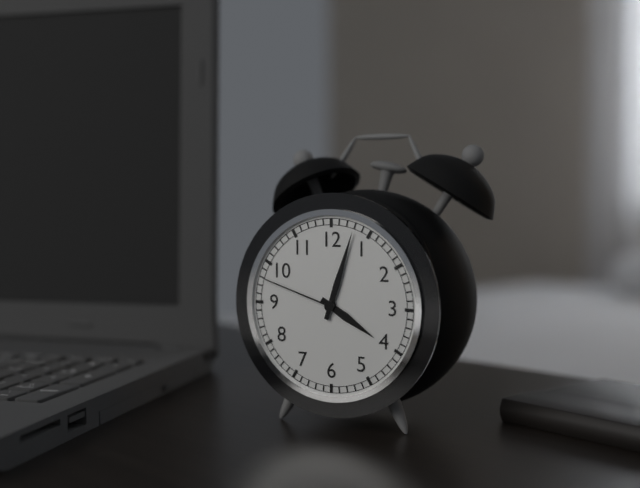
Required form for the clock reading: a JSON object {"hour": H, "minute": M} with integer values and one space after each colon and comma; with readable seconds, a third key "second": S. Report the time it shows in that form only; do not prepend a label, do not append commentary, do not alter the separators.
{"hour": 4, "minute": 3, "second": 48}
